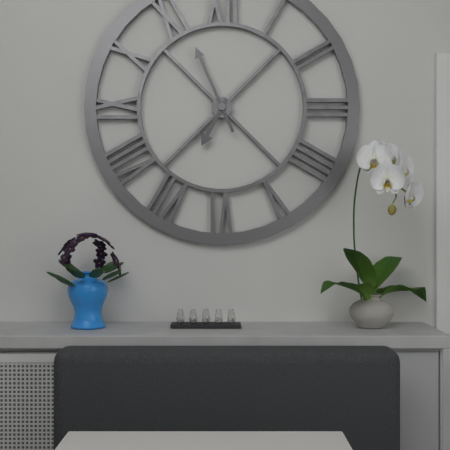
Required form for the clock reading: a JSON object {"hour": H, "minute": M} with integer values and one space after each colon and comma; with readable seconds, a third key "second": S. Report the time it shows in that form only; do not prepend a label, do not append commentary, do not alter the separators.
{"hour": 6, "minute": 56}
